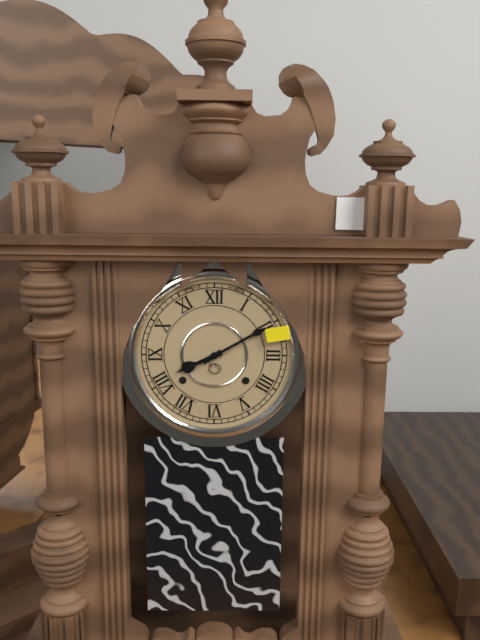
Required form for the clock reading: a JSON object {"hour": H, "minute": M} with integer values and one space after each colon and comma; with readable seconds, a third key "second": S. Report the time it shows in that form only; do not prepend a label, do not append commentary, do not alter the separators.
{"hour": 8, "minute": 10}
